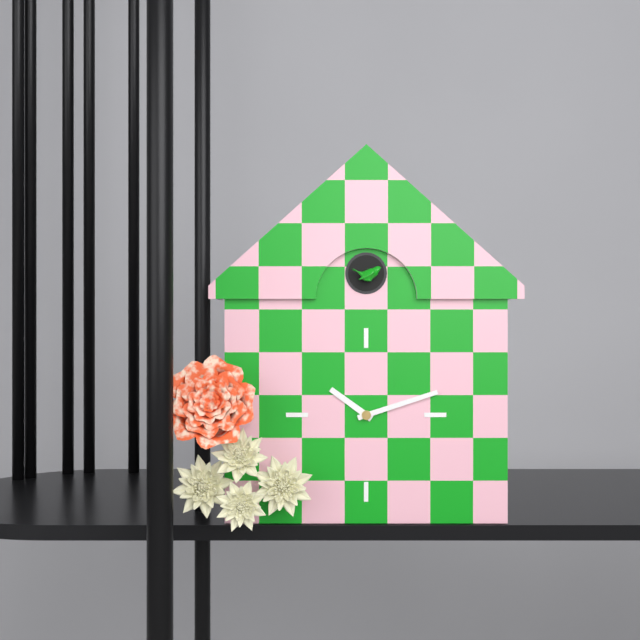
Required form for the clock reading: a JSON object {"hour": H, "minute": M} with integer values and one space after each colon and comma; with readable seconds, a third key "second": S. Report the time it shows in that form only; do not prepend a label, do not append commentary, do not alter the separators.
{"hour": 10, "minute": 12}
